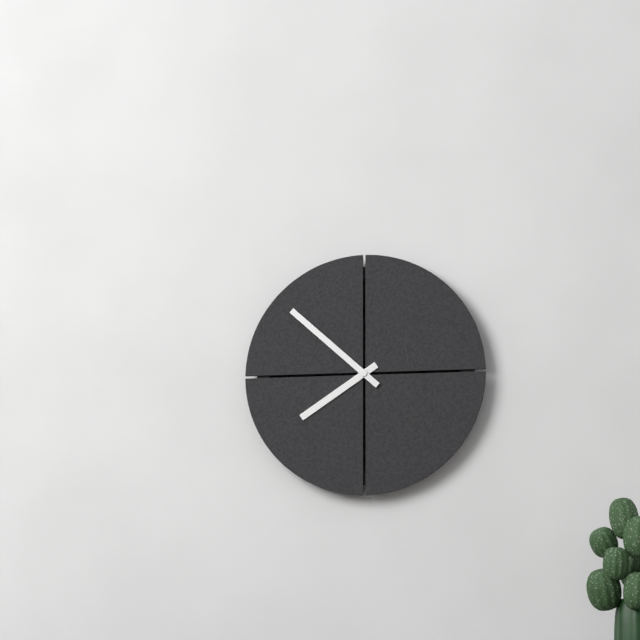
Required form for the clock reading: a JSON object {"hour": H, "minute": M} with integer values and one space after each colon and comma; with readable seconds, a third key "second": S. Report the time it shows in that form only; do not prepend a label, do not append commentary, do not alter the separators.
{"hour": 7, "minute": 52}
